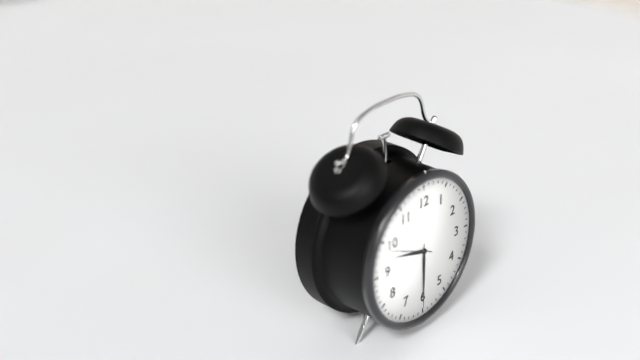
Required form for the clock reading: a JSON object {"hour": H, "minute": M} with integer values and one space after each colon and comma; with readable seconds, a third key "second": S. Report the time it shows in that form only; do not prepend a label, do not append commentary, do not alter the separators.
{"hour": 9, "minute": 30}
